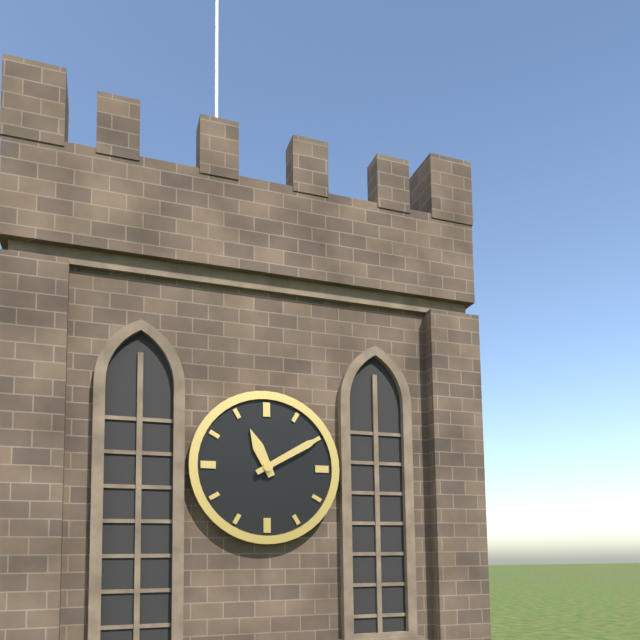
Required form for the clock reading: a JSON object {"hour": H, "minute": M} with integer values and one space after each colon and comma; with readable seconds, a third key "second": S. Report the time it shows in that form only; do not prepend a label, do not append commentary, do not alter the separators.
{"hour": 11, "minute": 10}
